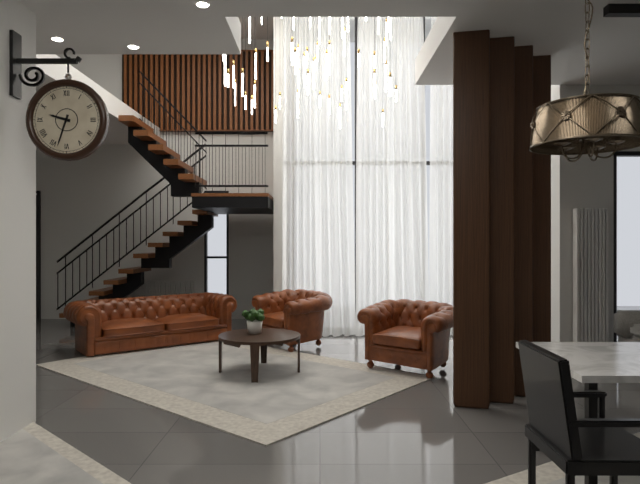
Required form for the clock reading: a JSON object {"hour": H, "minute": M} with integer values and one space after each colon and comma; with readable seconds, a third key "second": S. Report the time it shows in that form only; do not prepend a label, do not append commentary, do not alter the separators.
{"hour": 9, "minute": 33}
